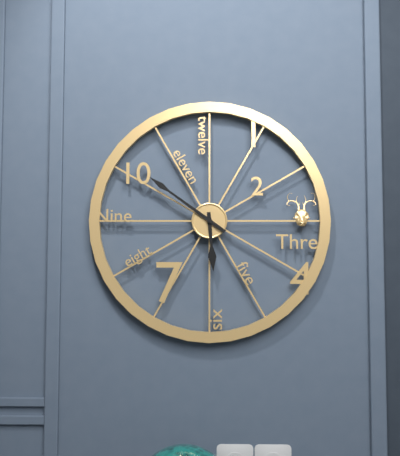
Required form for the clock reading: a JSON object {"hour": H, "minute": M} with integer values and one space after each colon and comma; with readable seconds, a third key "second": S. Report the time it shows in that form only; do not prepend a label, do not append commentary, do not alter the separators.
{"hour": 5, "minute": 51}
